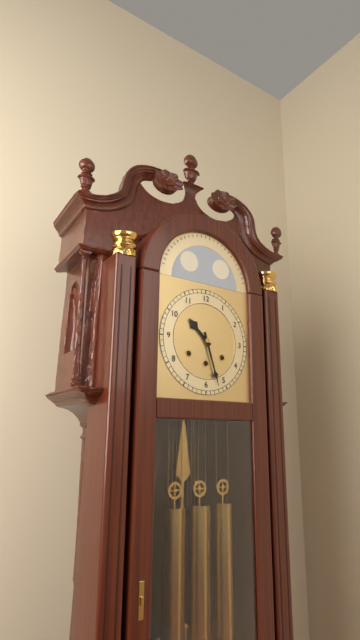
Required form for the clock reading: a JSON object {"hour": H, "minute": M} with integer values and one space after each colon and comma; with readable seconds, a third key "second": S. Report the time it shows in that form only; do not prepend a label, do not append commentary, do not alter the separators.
{"hour": 10, "minute": 27}
